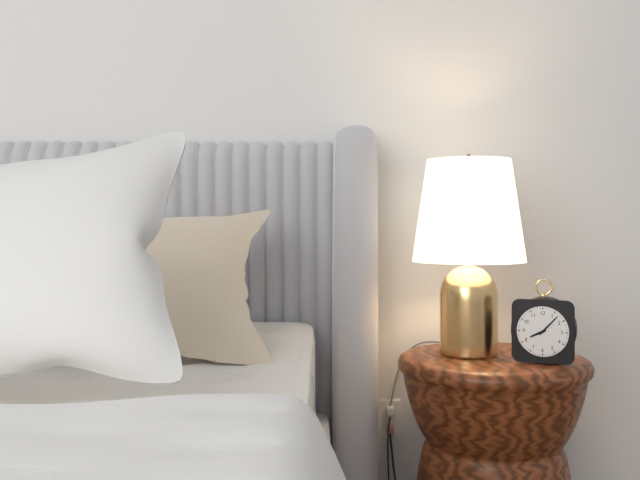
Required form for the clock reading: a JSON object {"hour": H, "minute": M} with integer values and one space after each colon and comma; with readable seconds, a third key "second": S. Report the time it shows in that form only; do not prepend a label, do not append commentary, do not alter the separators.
{"hour": 8, "minute": 7}
